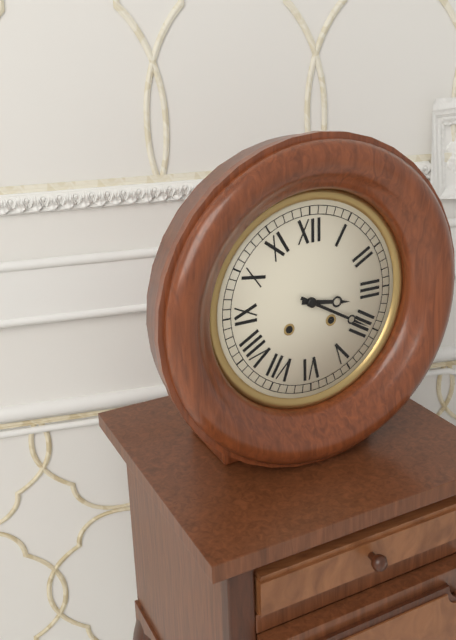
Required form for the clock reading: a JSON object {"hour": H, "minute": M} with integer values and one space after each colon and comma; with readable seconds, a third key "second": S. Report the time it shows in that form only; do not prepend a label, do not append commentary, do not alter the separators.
{"hour": 3, "minute": 20}
